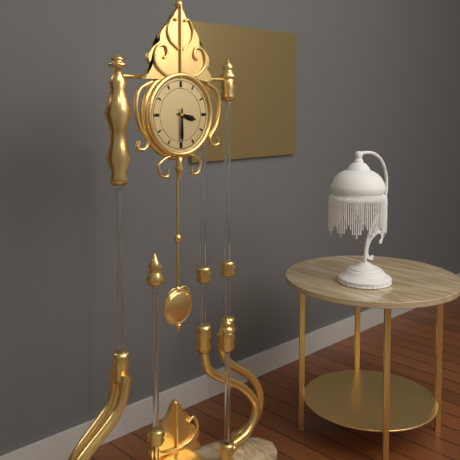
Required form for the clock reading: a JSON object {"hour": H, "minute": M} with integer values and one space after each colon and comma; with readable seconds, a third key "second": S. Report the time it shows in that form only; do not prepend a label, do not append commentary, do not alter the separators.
{"hour": 3, "minute": 30}
